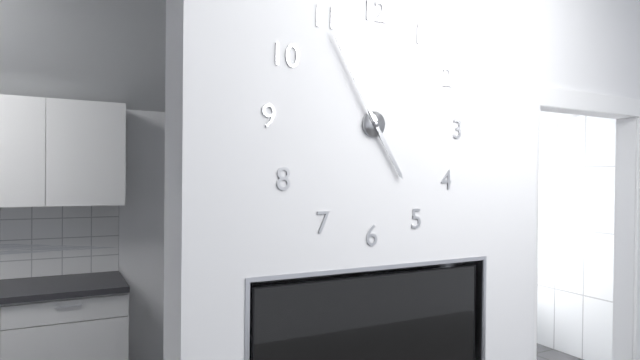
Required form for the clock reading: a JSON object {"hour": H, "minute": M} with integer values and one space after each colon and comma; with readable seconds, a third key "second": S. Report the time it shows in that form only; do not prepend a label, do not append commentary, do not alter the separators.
{"hour": 4, "minute": 55}
